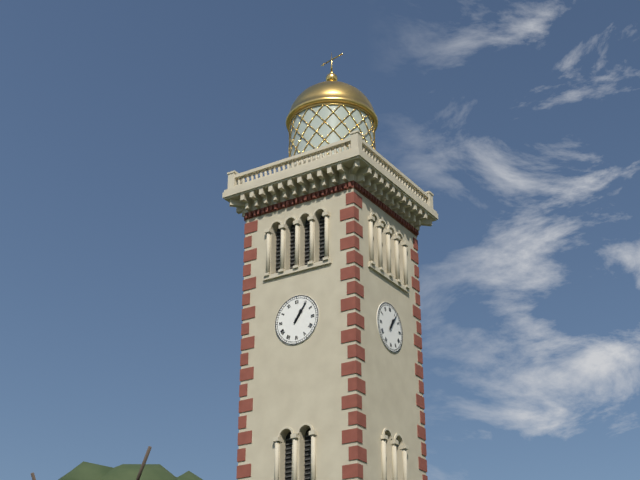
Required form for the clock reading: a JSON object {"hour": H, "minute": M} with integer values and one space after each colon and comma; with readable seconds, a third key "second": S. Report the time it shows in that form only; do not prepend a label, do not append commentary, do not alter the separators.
{"hour": 1, "minute": 6}
